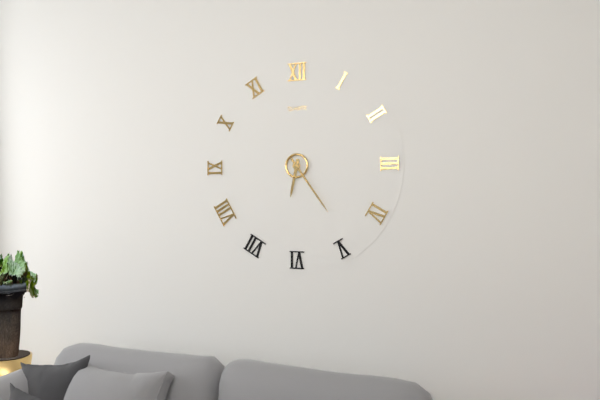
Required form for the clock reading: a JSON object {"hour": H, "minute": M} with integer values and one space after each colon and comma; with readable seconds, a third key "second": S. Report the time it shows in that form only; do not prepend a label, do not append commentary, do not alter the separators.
{"hour": 6, "minute": 24}
